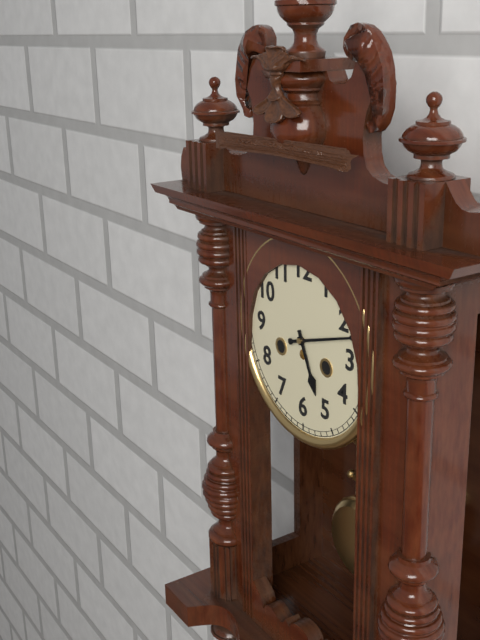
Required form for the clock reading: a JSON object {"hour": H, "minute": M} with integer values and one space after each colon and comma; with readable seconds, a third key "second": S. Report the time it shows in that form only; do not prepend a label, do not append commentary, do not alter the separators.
{"hour": 5, "minute": 12}
